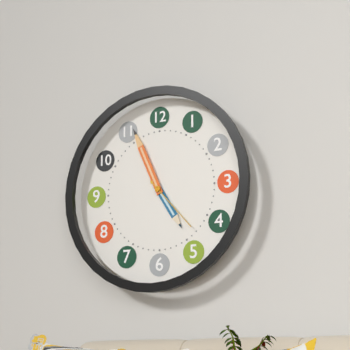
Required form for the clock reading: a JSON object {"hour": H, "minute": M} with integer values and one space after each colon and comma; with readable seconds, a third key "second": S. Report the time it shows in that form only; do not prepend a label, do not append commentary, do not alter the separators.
{"hour": 4, "minute": 56, "second": 23}
